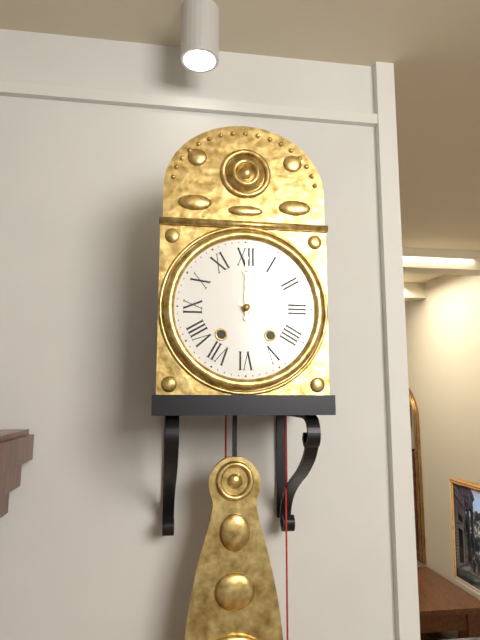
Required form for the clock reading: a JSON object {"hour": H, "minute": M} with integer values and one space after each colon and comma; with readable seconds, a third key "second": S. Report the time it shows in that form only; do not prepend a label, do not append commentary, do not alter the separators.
{"hour": 4, "minute": 0}
